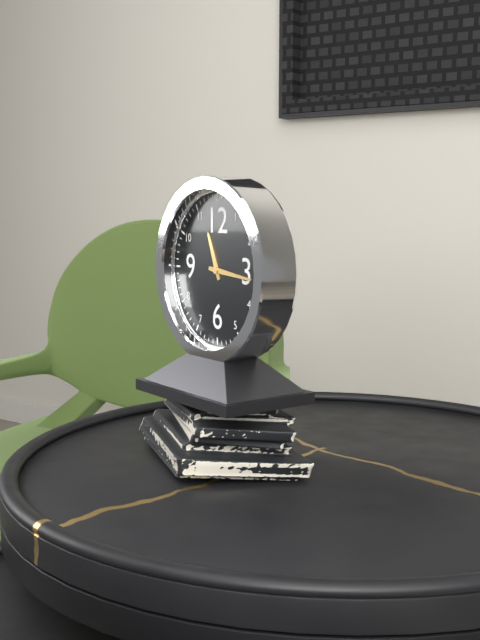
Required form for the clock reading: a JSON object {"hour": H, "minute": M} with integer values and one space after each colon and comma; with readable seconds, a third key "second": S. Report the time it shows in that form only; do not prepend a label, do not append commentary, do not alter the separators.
{"hour": 11, "minute": 16}
